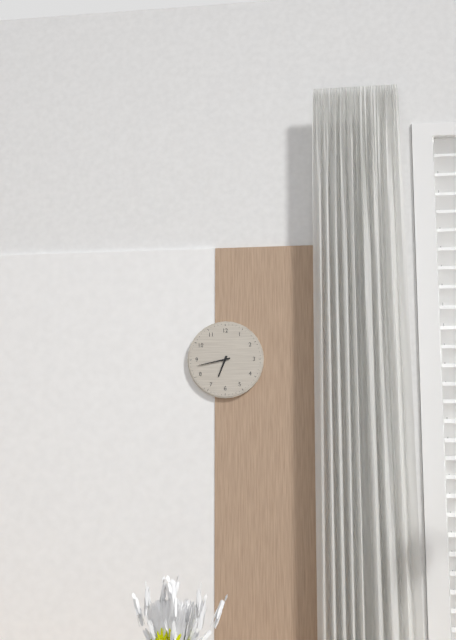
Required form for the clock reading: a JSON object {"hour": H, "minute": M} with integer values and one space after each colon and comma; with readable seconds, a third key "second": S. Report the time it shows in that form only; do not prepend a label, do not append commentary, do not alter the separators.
{"hour": 6, "minute": 43}
